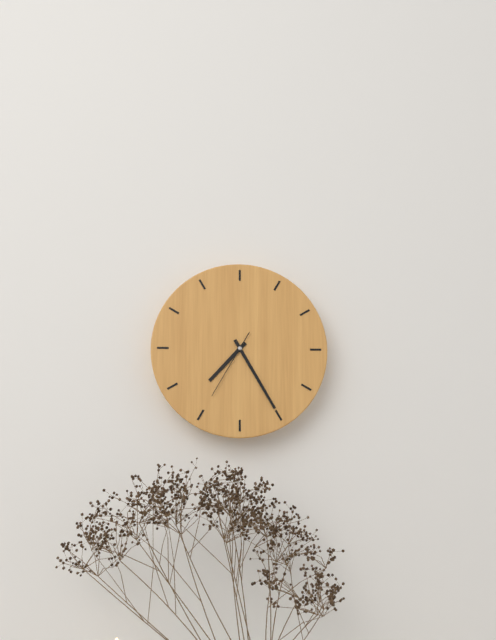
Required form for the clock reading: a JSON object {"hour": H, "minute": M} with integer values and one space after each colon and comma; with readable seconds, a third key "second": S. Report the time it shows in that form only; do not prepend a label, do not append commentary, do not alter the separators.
{"hour": 7, "minute": 25, "second": 35}
